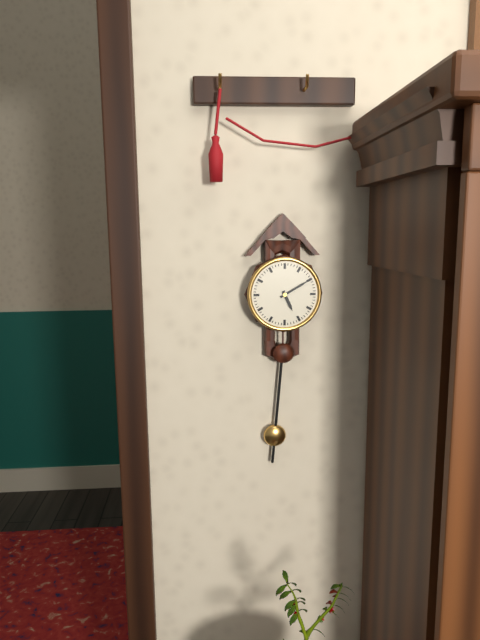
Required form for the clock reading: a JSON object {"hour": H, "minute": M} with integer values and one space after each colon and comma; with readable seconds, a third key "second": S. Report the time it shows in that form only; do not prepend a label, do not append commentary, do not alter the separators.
{"hour": 5, "minute": 10}
